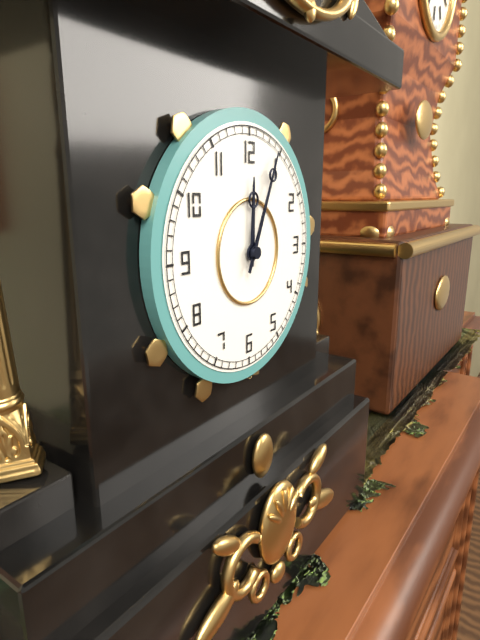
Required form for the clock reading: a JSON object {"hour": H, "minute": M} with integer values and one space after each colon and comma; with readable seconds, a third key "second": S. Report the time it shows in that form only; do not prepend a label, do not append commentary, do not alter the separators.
{"hour": 12, "minute": 4}
